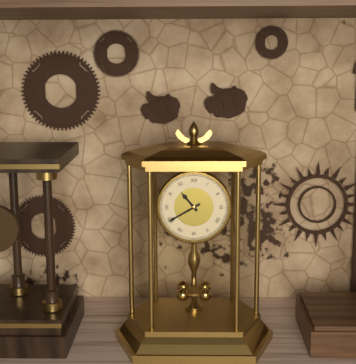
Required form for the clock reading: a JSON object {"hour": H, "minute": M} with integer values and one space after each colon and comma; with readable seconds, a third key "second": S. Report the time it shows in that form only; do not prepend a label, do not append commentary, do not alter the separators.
{"hour": 10, "minute": 40}
